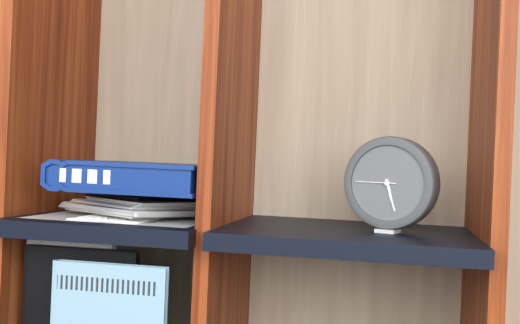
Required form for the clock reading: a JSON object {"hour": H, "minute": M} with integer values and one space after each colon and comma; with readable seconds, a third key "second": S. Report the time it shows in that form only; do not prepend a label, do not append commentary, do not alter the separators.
{"hour": 5, "minute": 27}
